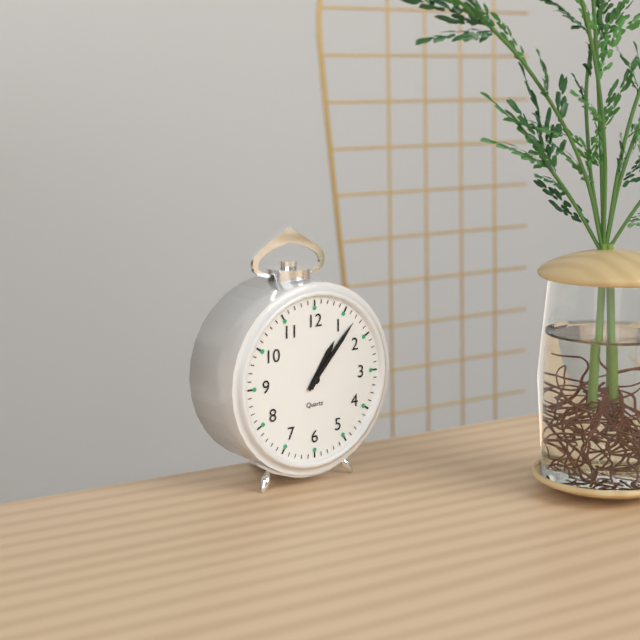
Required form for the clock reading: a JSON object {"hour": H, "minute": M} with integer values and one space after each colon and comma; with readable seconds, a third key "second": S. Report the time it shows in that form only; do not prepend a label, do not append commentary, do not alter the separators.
{"hour": 1, "minute": 7}
